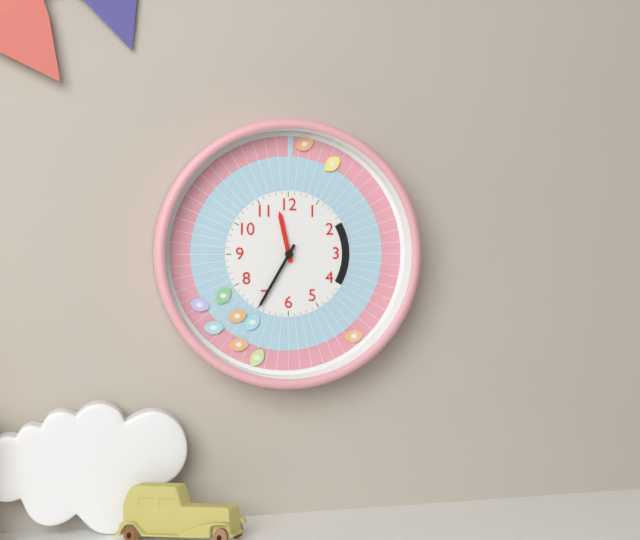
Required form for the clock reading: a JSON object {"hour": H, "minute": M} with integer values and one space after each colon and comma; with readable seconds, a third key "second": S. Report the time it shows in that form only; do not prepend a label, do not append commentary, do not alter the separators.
{"hour": 11, "minute": 35}
